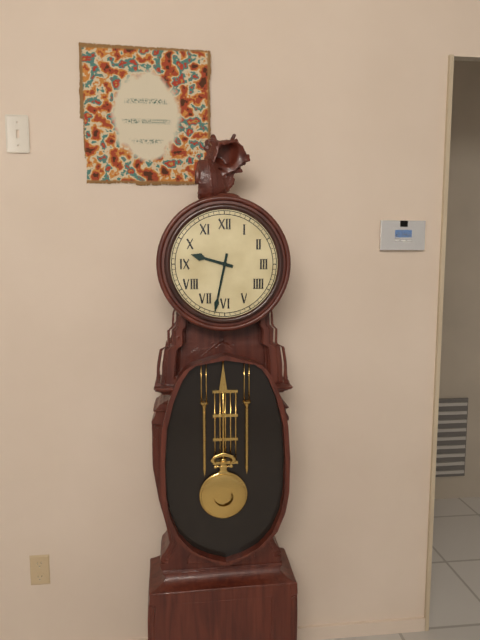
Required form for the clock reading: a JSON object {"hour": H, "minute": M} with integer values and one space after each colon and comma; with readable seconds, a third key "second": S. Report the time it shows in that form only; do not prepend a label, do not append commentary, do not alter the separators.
{"hour": 9, "minute": 32}
